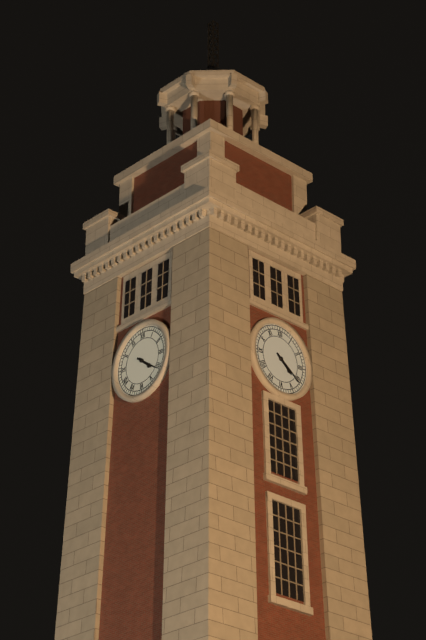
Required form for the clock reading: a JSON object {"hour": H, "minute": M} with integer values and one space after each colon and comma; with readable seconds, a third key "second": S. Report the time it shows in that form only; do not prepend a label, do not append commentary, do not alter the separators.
{"hour": 4, "minute": 21}
